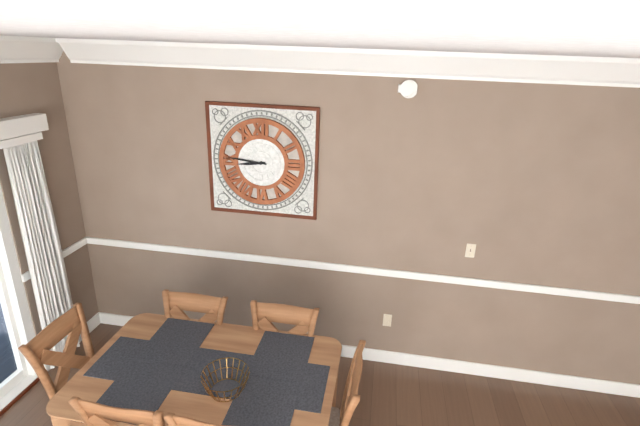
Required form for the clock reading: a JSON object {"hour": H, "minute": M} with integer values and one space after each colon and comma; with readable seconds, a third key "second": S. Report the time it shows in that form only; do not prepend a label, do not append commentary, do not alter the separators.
{"hour": 8, "minute": 46}
